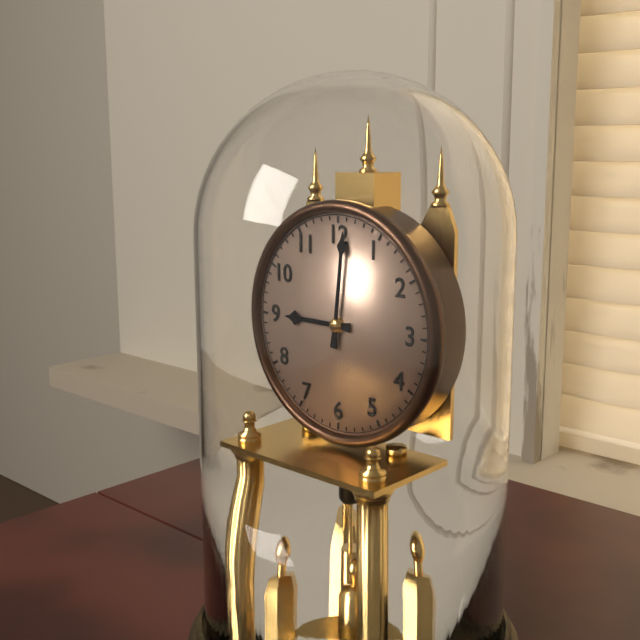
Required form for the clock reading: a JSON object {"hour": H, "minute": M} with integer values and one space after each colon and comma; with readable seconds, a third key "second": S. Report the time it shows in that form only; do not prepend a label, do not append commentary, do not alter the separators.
{"hour": 9, "minute": 1}
